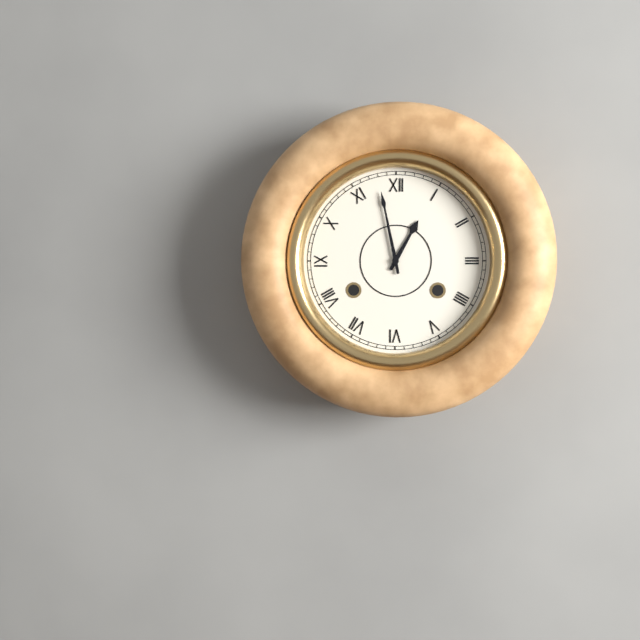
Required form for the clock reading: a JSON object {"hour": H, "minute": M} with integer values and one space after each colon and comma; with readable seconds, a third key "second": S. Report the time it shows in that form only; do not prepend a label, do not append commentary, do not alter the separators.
{"hour": 12, "minute": 58}
